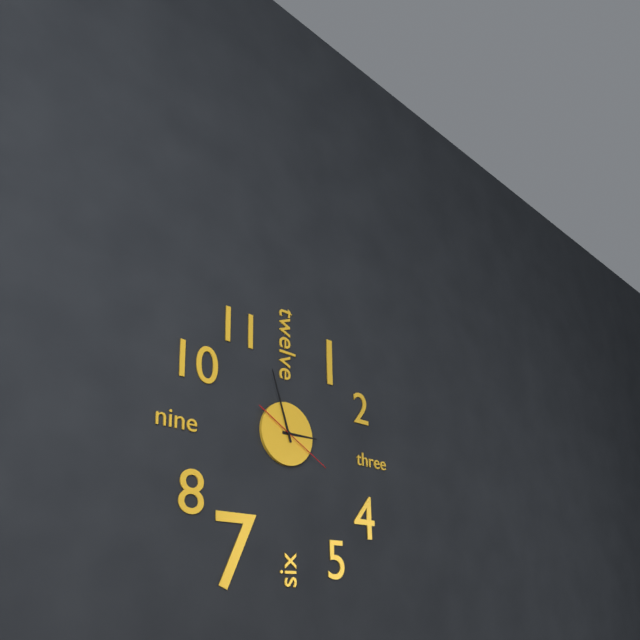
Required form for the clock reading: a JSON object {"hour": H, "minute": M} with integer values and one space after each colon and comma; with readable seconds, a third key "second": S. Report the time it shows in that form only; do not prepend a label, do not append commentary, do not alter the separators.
{"hour": 2, "minute": 57, "second": 20}
